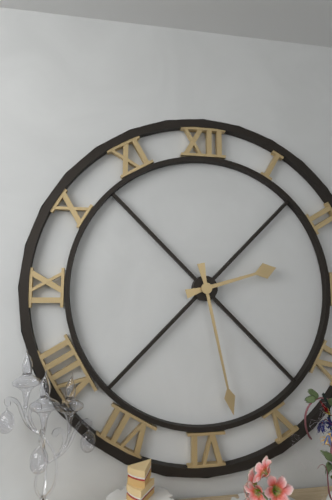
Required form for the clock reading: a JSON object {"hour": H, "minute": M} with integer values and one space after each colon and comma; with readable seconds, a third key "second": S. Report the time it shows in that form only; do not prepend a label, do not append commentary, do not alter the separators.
{"hour": 2, "minute": 28}
